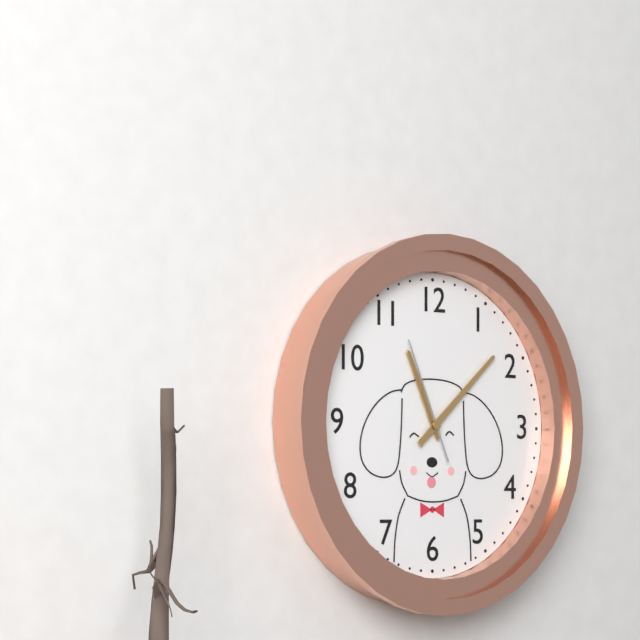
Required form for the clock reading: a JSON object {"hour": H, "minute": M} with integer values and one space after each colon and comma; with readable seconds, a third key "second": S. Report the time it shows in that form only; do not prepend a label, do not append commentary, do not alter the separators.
{"hour": 11, "minute": 8, "second": 56}
